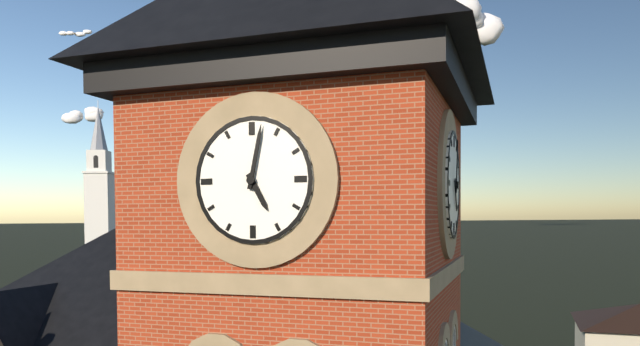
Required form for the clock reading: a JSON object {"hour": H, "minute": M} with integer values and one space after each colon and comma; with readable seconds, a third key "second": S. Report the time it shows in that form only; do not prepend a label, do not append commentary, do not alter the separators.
{"hour": 5, "minute": 2}
